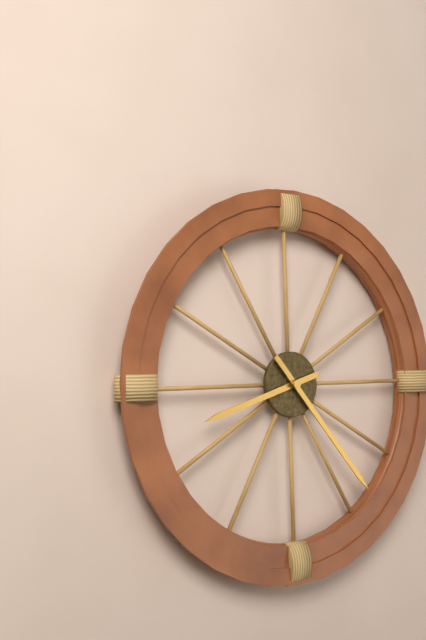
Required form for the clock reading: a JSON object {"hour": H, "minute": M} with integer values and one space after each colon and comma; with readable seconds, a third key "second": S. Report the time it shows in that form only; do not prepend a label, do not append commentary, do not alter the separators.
{"hour": 8, "minute": 23}
